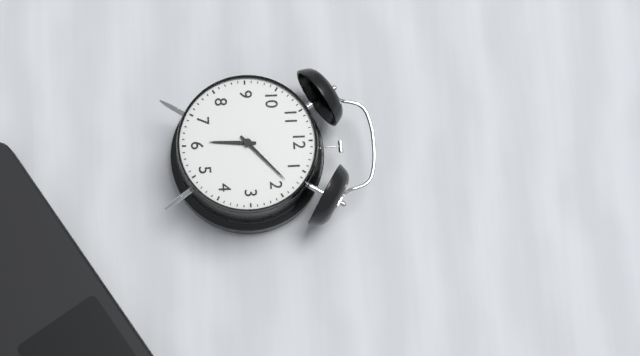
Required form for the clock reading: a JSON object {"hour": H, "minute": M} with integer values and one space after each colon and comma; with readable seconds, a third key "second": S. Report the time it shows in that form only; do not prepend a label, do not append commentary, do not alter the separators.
{"hour": 6, "minute": 8}
